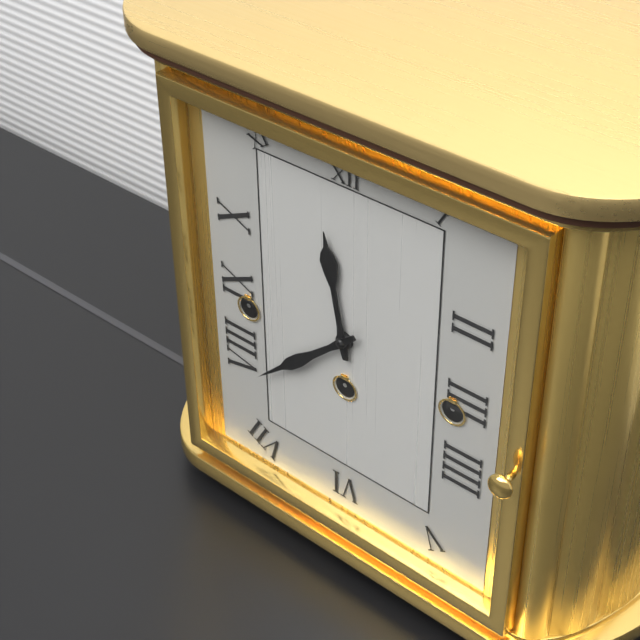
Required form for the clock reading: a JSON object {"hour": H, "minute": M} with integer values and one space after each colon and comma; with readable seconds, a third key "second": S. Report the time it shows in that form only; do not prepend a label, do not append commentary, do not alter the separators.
{"hour": 11, "minute": 38}
